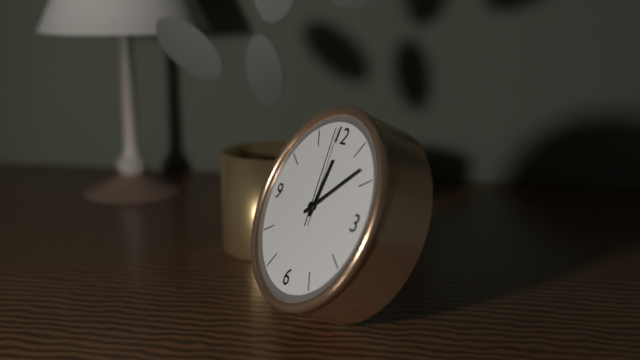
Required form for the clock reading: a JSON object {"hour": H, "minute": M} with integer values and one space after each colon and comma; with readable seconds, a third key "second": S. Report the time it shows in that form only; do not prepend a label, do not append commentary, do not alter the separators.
{"hour": 12, "minute": 8, "second": 59}
